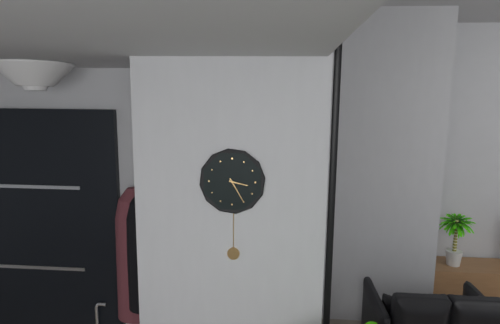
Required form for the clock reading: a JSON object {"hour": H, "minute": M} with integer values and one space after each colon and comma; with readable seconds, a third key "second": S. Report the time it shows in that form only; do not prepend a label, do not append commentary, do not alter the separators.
{"hour": 3, "minute": 25}
